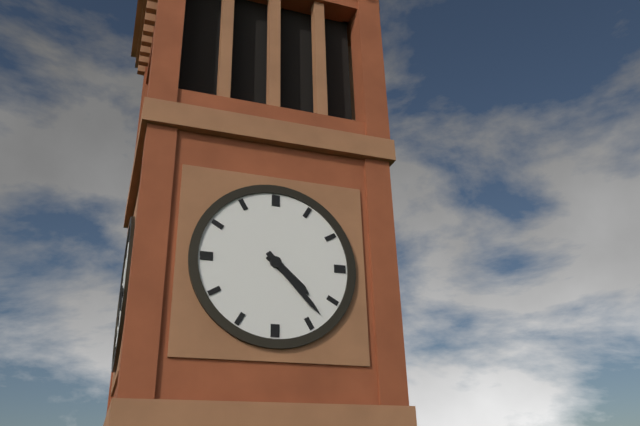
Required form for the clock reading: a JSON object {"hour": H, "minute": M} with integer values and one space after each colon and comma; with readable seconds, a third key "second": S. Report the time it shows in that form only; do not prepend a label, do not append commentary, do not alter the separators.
{"hour": 4, "minute": 23}
